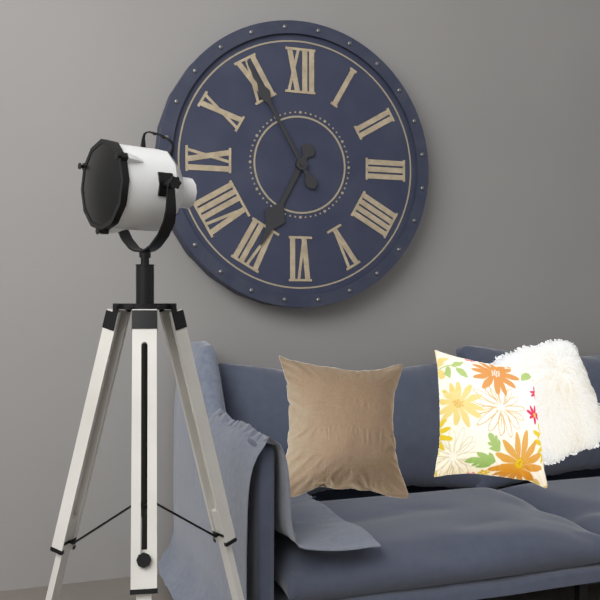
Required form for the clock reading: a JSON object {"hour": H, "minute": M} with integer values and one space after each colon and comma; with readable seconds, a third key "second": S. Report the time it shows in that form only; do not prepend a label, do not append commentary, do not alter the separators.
{"hour": 6, "minute": 55}
